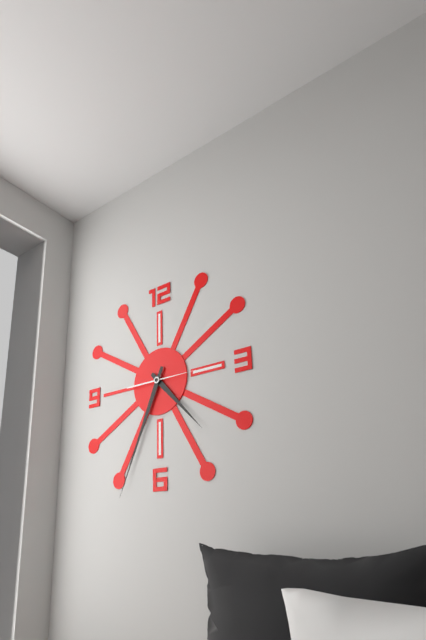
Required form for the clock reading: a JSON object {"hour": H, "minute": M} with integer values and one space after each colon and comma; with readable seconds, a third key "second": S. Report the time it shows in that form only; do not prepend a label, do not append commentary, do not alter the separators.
{"hour": 4, "minute": 34, "second": 15}
